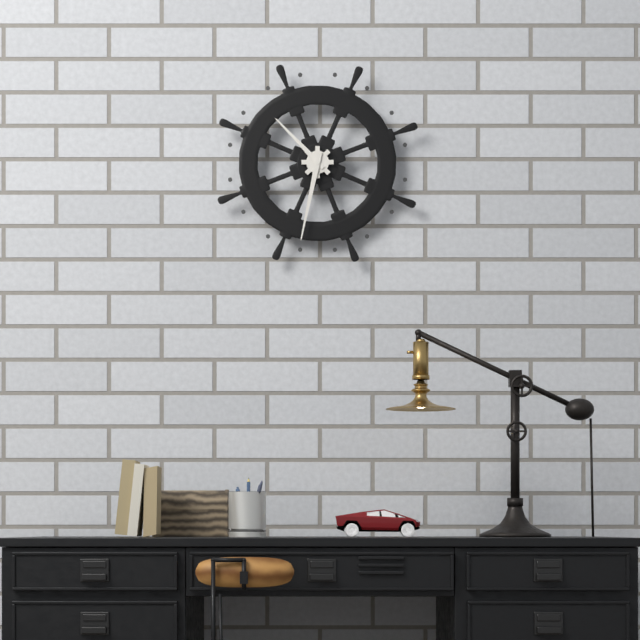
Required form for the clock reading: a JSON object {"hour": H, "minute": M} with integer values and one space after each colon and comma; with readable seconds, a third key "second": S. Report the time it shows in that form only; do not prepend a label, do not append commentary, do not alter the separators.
{"hour": 10, "minute": 32}
